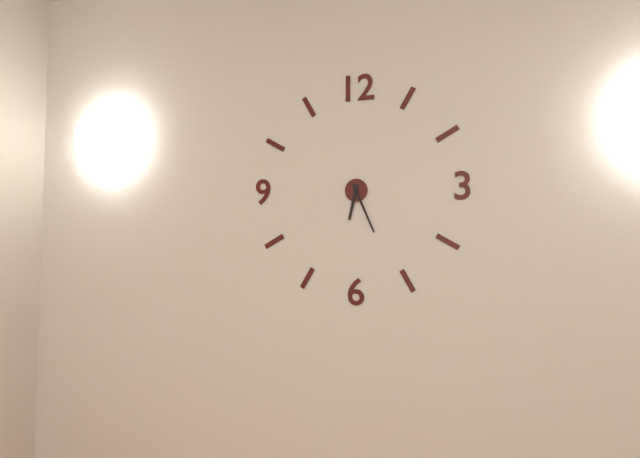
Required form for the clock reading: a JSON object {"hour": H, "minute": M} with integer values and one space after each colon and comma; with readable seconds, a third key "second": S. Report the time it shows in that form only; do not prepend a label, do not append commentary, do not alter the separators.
{"hour": 6, "minute": 26}
